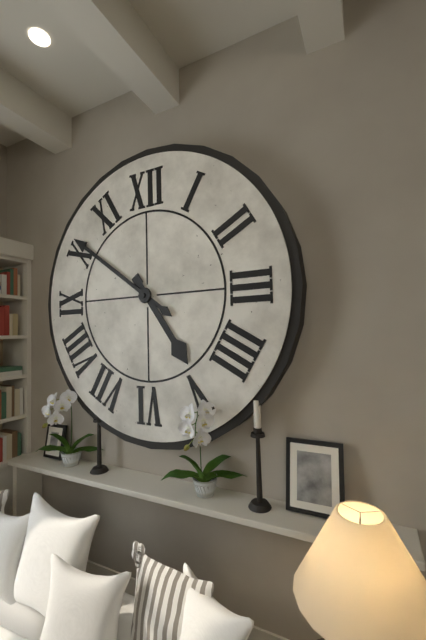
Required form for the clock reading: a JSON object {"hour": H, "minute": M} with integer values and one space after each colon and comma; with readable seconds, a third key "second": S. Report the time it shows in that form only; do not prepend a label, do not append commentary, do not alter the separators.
{"hour": 4, "minute": 51}
